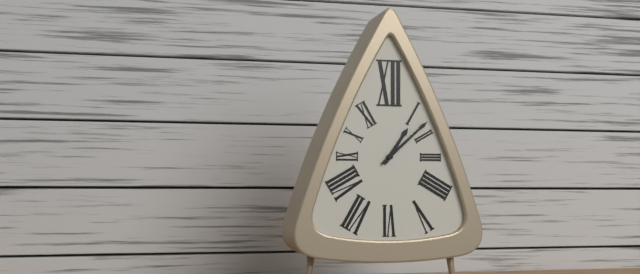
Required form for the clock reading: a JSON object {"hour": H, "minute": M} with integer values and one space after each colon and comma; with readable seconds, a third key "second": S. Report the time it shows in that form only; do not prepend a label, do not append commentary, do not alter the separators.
{"hour": 1, "minute": 8}
